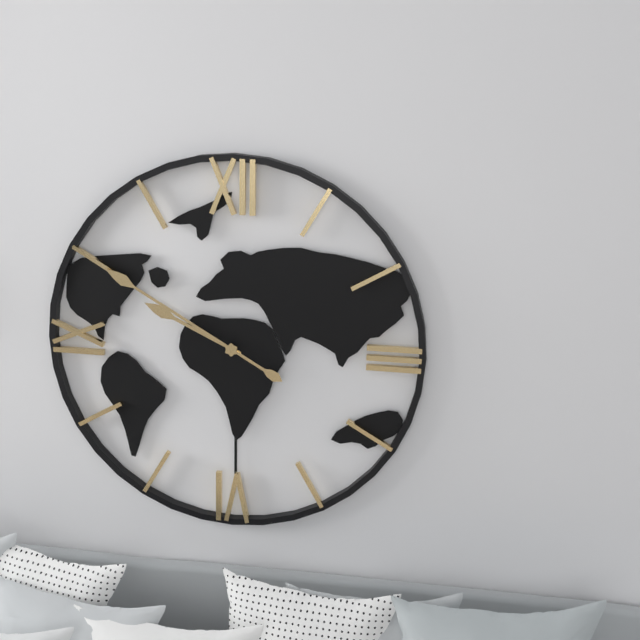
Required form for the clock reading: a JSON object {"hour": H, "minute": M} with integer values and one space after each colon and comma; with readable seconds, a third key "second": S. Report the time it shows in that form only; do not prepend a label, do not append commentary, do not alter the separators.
{"hour": 9, "minute": 50}
